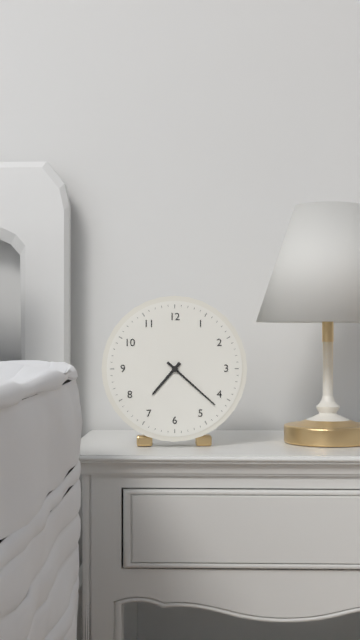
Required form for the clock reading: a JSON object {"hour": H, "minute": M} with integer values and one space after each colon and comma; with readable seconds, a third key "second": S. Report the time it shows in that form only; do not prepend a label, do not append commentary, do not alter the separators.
{"hour": 7, "minute": 22}
